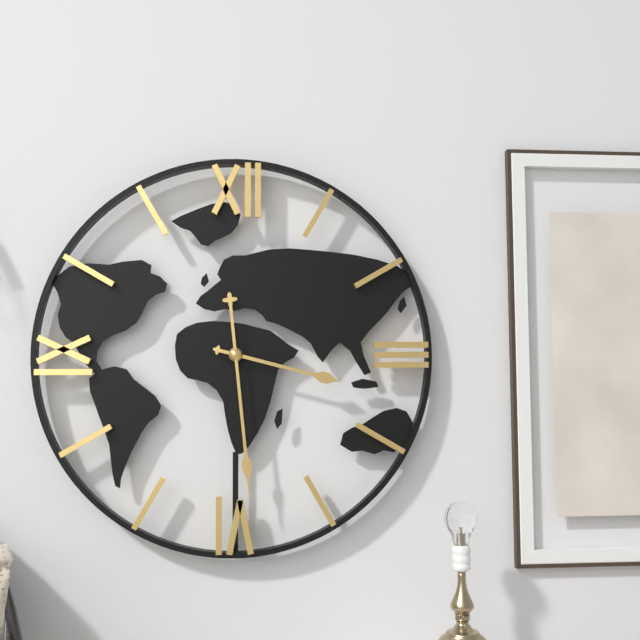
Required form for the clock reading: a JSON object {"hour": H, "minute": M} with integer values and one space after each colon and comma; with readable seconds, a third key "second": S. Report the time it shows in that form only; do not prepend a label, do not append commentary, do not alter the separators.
{"hour": 3, "minute": 29}
